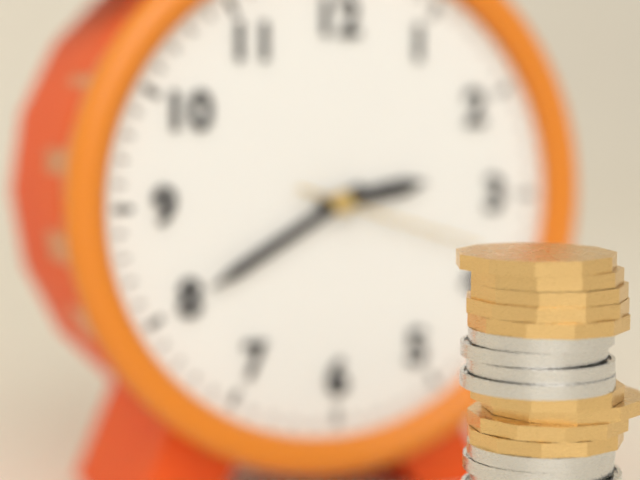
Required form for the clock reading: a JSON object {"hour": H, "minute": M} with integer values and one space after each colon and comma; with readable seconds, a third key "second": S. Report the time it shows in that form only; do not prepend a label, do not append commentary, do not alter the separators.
{"hour": 2, "minute": 40, "second": 18}
